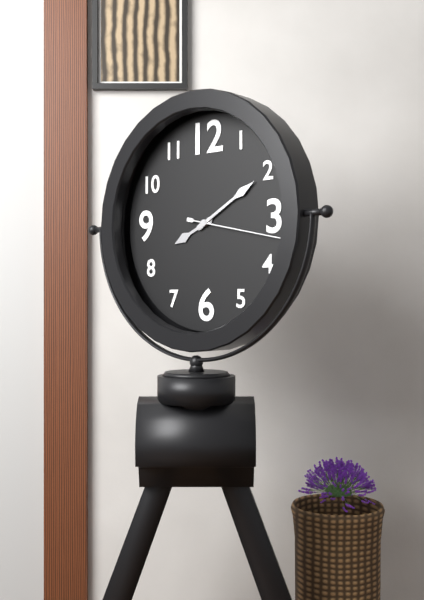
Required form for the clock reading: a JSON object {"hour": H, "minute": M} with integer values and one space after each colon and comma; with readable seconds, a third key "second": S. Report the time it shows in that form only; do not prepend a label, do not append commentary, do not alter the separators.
{"hour": 8, "minute": 10, "second": 17}
